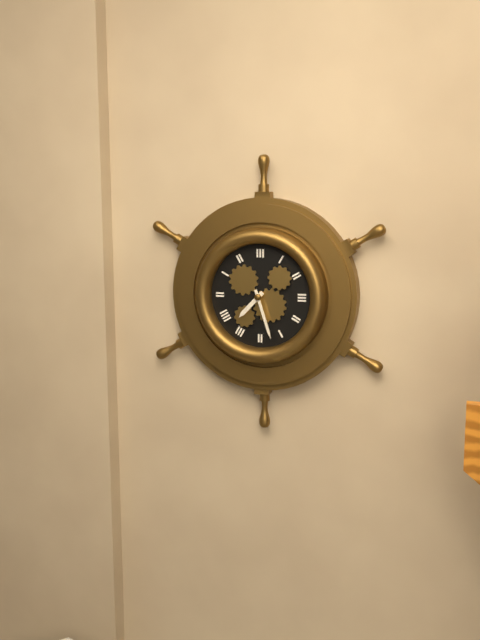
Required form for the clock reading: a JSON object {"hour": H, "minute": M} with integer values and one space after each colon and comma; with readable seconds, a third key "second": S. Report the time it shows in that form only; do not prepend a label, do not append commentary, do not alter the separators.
{"hour": 7, "minute": 27}
